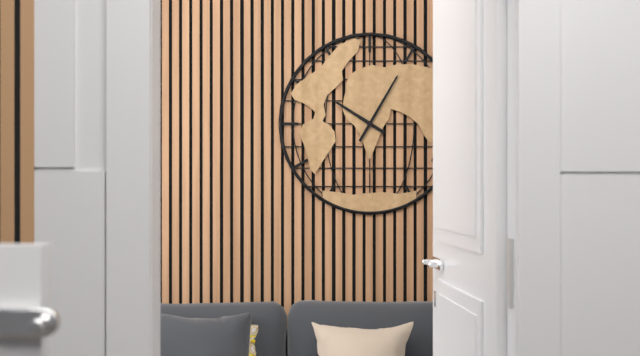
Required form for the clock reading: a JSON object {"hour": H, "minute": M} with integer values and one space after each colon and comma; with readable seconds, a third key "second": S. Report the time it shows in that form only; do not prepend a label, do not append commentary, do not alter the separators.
{"hour": 10, "minute": 5}
